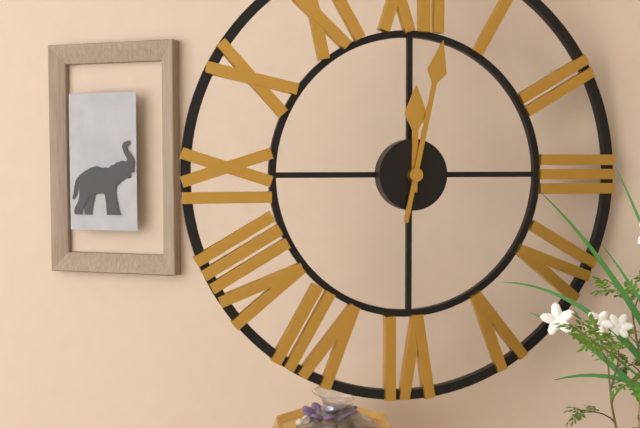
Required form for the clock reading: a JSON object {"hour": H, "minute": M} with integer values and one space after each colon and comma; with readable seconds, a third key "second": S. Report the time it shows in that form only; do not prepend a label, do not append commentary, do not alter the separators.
{"hour": 12, "minute": 2}
